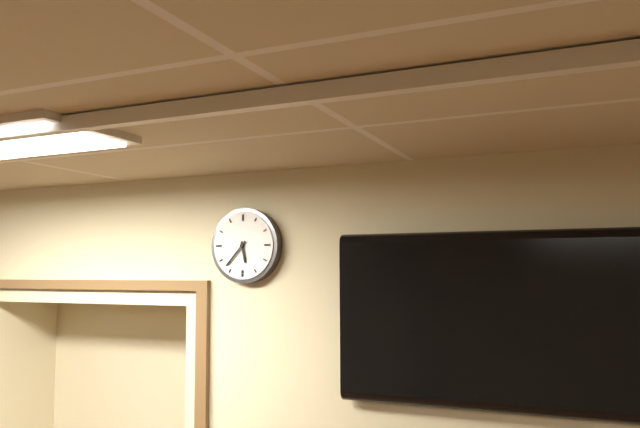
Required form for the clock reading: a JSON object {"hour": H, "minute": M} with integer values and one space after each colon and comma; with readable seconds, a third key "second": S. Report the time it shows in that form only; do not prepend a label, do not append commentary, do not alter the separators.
{"hour": 5, "minute": 37}
